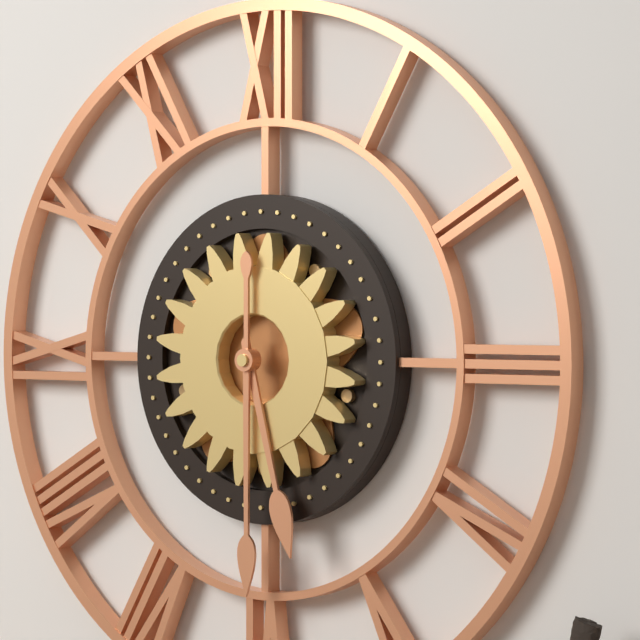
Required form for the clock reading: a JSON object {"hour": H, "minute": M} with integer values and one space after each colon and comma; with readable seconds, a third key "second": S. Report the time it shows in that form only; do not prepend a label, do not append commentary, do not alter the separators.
{"hour": 5, "minute": 30}
